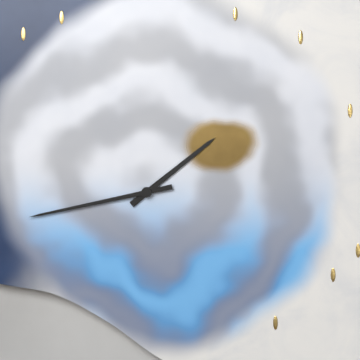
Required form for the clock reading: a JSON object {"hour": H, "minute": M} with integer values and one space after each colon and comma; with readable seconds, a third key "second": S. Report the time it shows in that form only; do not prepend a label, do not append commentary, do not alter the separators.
{"hour": 1, "minute": 43}
